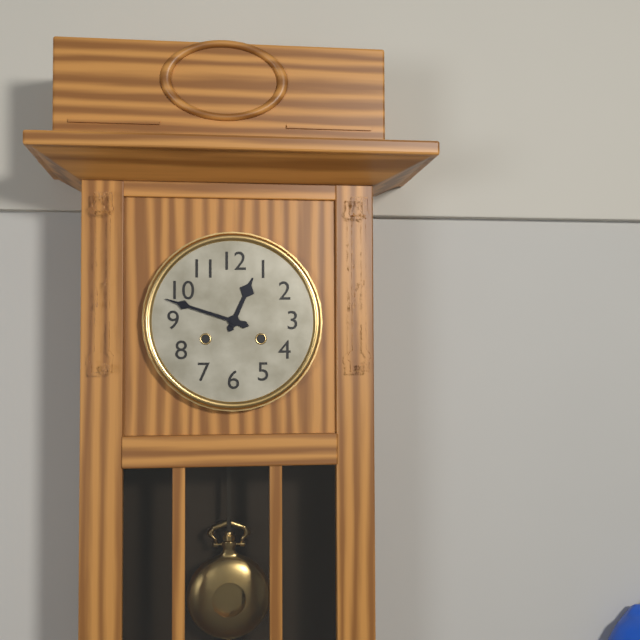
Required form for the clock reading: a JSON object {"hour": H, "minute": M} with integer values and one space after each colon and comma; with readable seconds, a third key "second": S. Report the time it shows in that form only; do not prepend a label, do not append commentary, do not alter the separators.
{"hour": 12, "minute": 48}
